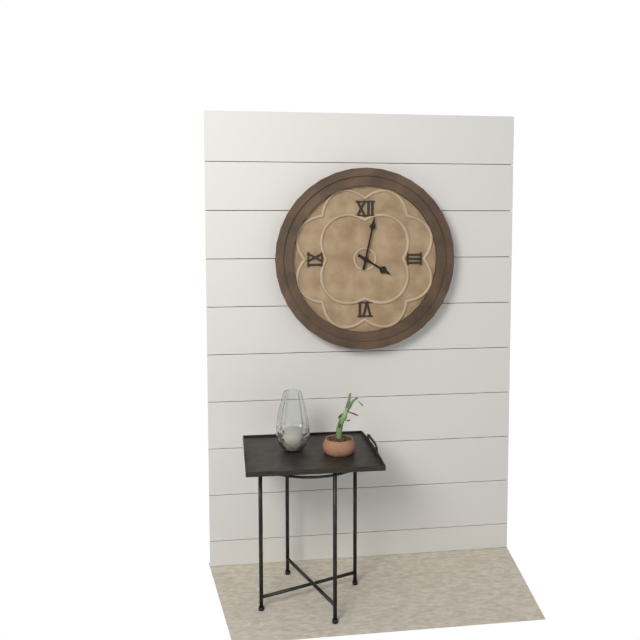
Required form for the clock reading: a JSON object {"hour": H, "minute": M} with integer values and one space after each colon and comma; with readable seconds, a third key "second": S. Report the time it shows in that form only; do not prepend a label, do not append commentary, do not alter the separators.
{"hour": 4, "minute": 2}
